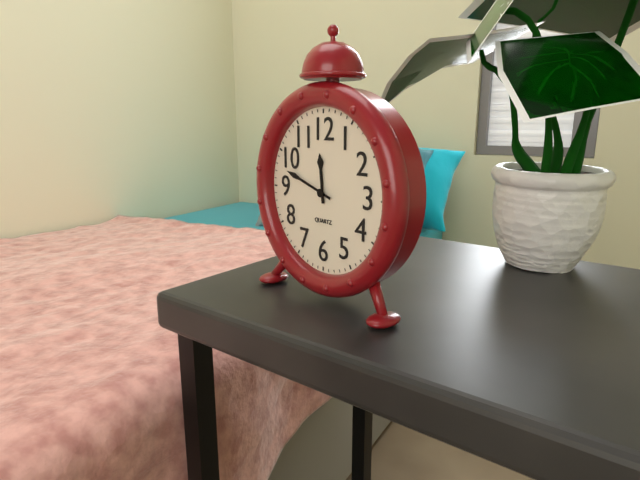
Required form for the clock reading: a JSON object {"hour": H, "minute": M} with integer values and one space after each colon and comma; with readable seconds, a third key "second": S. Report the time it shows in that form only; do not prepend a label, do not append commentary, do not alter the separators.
{"hour": 11, "minute": 48}
